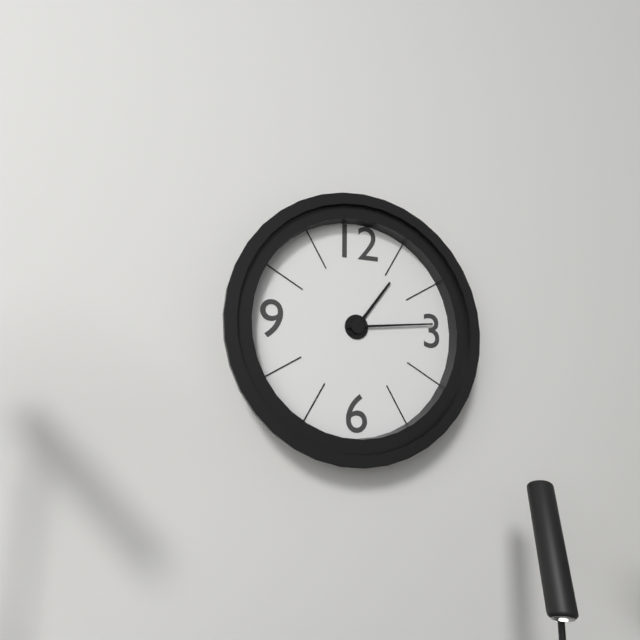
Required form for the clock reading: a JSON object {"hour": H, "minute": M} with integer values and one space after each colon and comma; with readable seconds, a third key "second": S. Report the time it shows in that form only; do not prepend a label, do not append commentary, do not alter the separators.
{"hour": 1, "minute": 14}
